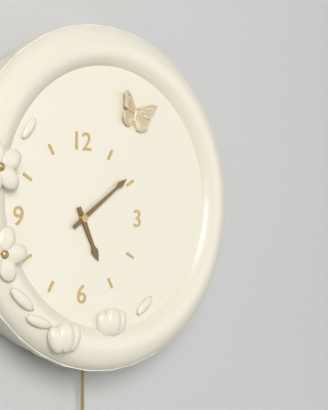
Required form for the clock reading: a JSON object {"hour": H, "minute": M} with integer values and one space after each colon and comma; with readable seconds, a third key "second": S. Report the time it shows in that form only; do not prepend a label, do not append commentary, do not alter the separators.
{"hour": 5, "minute": 9}
